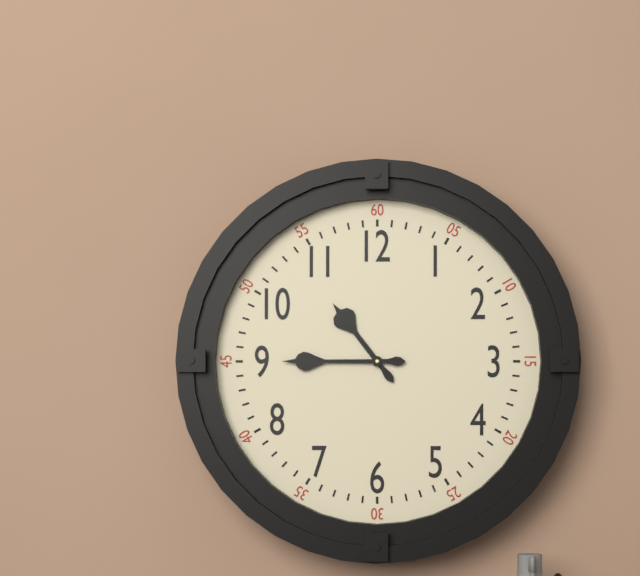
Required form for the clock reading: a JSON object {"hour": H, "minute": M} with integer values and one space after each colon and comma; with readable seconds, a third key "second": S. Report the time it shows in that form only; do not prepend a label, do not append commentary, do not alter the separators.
{"hour": 10, "minute": 45}
